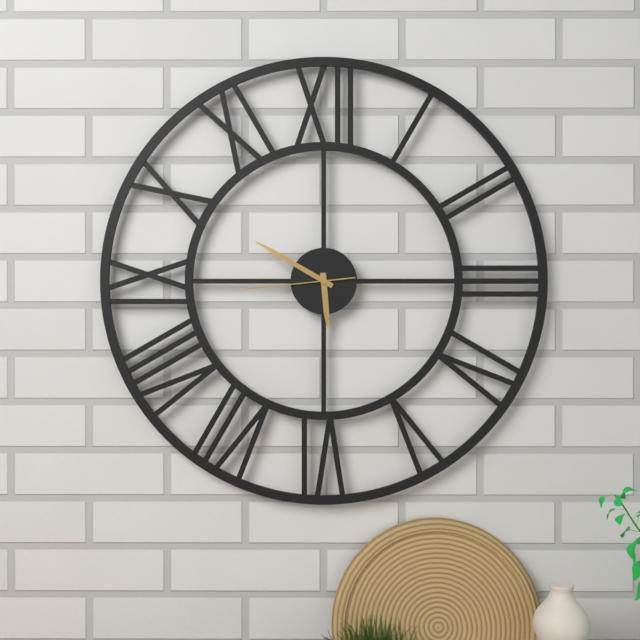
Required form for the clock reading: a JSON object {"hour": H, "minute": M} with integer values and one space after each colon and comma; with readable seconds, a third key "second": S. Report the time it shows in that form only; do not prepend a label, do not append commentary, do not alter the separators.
{"hour": 5, "minute": 50, "second": 44}
